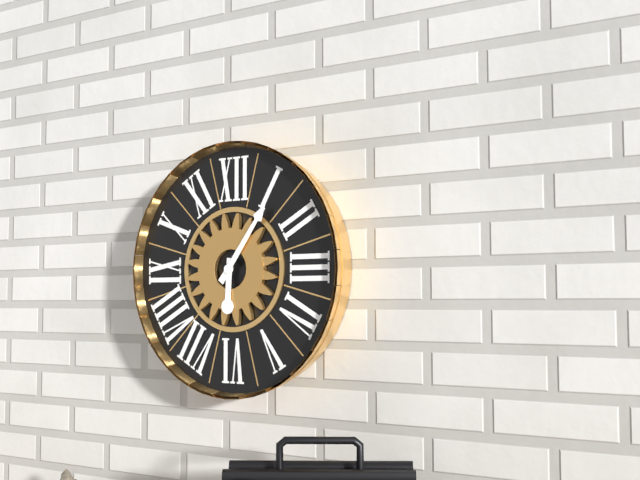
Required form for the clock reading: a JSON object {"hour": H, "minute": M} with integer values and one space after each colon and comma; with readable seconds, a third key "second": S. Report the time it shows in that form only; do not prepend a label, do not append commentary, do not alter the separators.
{"hour": 6, "minute": 6}
